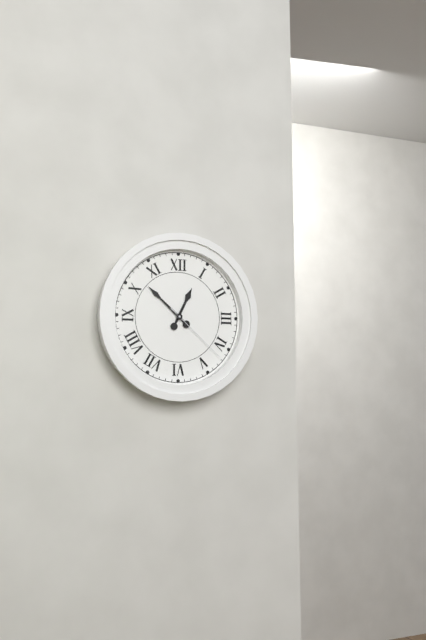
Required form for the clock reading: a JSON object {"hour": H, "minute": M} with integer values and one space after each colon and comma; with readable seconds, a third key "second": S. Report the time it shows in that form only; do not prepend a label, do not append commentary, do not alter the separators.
{"hour": 12, "minute": 52, "second": 22}
